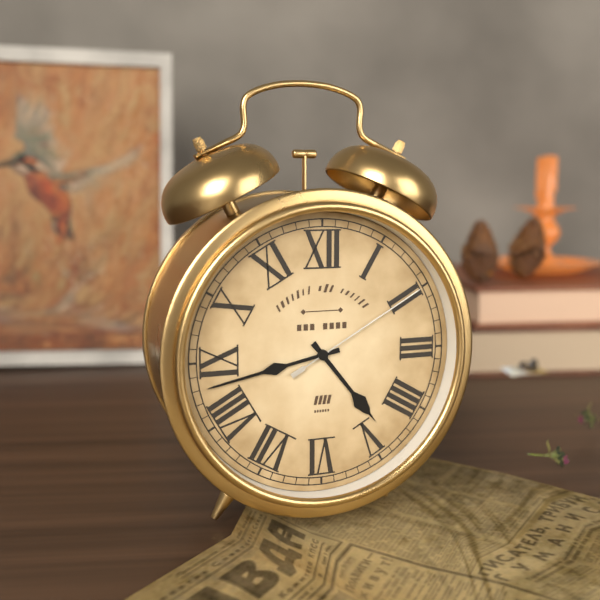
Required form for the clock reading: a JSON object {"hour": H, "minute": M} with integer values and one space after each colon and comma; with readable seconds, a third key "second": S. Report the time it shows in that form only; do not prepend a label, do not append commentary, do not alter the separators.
{"hour": 4, "minute": 43, "second": 10}
